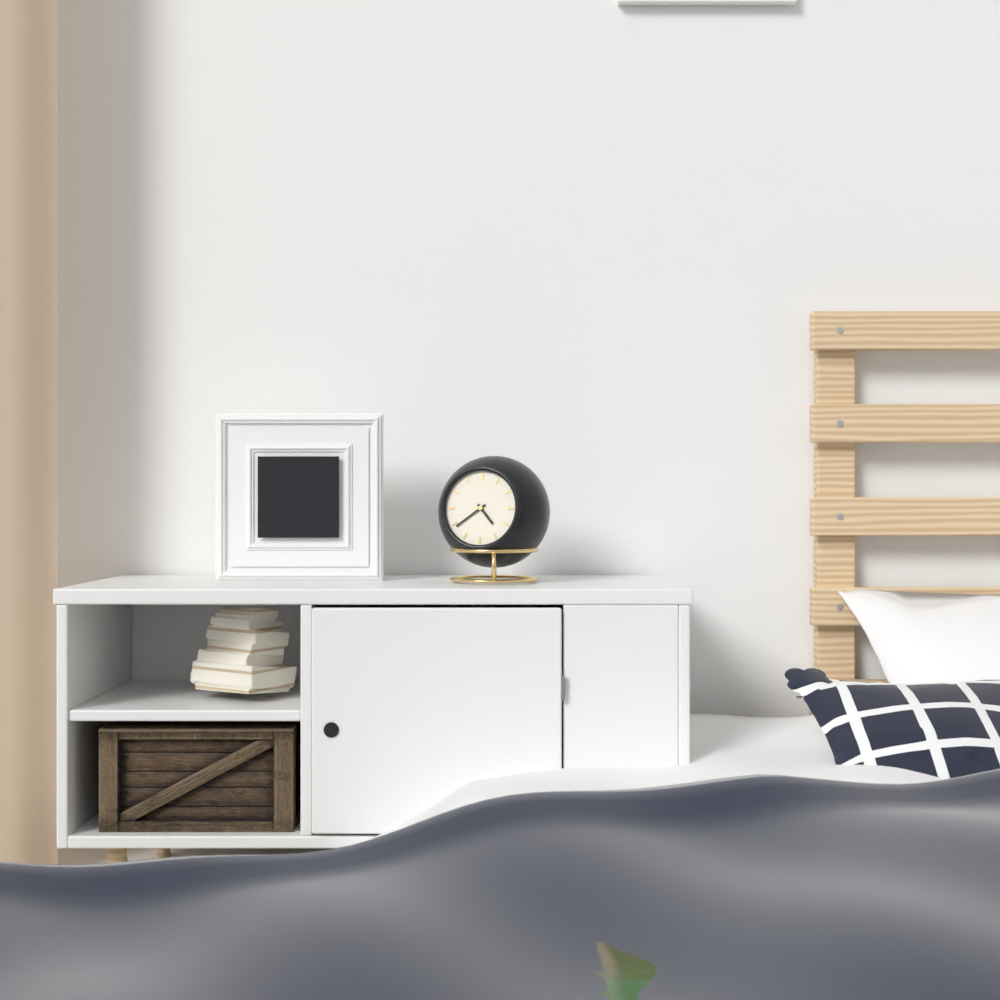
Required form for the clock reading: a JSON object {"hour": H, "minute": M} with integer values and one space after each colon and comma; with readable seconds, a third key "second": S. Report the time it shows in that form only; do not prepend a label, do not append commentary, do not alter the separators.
{"hour": 4, "minute": 39}
